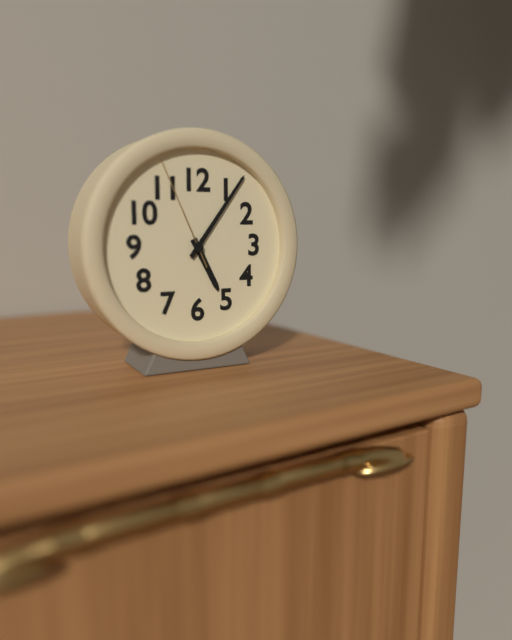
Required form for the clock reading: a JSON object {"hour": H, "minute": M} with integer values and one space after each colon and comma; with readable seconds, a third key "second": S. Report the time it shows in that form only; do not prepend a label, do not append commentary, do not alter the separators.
{"hour": 5, "minute": 6, "second": 56}
